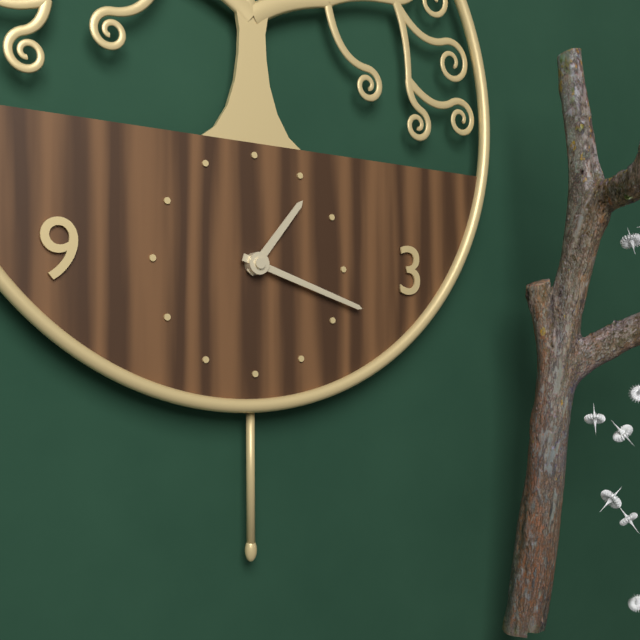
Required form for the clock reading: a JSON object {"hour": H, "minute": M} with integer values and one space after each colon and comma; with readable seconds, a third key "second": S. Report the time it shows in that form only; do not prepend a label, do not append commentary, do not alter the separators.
{"hour": 1, "minute": 18}
